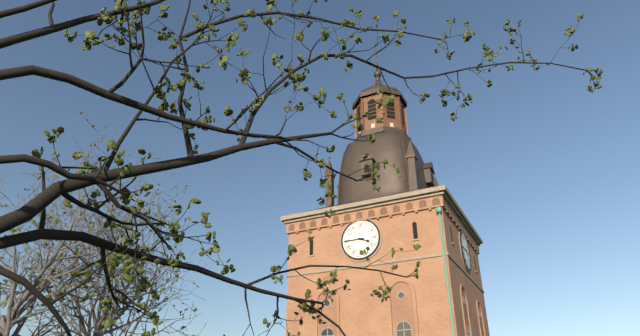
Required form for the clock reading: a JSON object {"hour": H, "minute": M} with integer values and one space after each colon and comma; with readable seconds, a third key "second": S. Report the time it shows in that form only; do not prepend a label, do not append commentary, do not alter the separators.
{"hour": 3, "minute": 45}
